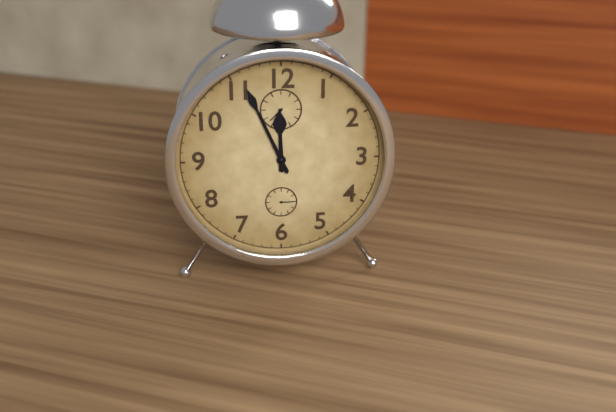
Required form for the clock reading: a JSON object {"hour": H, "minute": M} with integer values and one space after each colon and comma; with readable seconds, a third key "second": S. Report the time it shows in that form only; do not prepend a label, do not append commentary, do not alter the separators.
{"hour": 11, "minute": 56}
